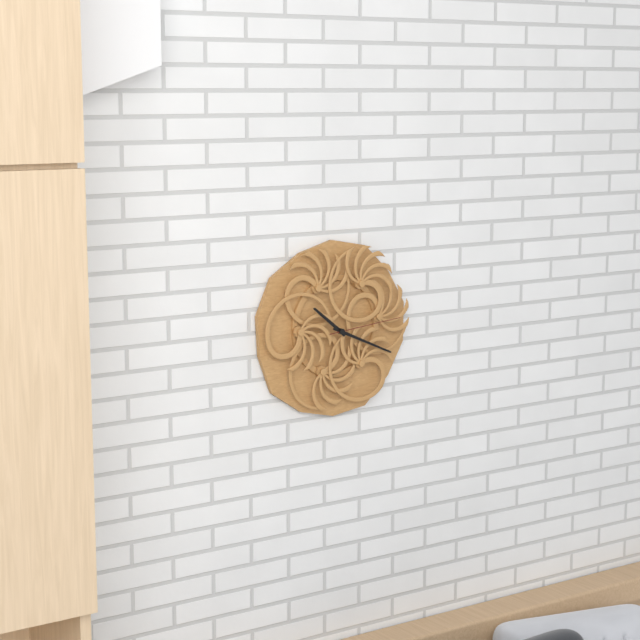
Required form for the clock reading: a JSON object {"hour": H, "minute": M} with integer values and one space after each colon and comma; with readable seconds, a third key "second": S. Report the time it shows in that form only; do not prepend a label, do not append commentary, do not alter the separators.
{"hour": 10, "minute": 19, "second": 14}
